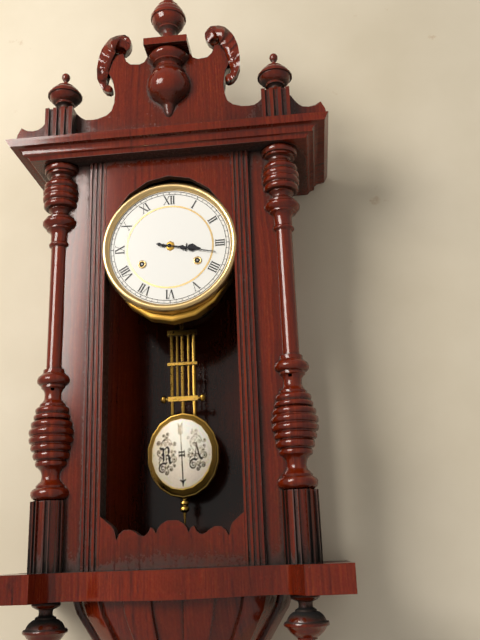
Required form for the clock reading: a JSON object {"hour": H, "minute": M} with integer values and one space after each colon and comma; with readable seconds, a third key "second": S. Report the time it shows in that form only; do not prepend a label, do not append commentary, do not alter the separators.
{"hour": 3, "minute": 17}
